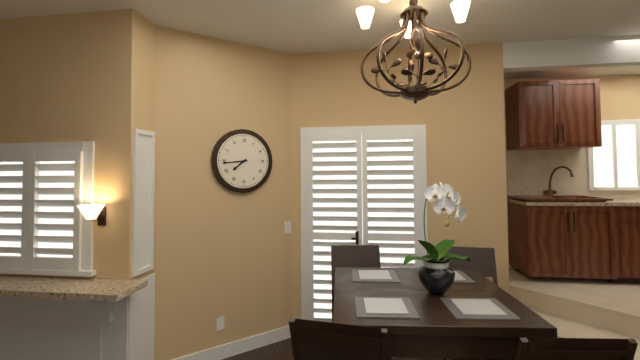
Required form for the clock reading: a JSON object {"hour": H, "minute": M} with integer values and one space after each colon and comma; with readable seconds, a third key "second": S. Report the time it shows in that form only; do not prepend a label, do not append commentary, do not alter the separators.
{"hour": 7, "minute": 44}
